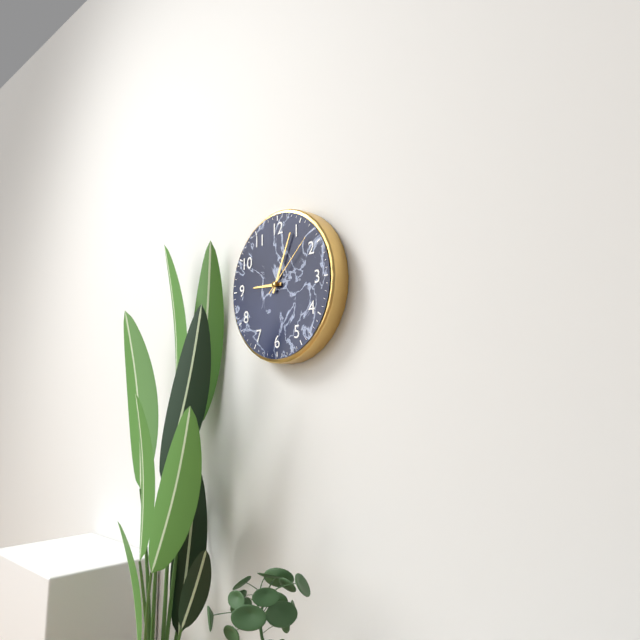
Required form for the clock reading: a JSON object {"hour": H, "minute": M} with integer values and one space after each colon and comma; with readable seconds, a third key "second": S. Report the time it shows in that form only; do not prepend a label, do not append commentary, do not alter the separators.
{"hour": 9, "minute": 4, "second": 8}
